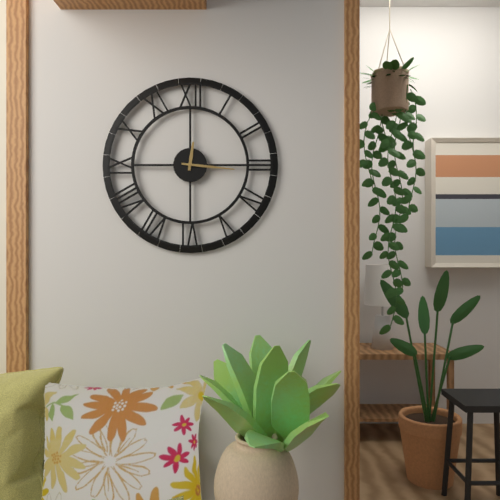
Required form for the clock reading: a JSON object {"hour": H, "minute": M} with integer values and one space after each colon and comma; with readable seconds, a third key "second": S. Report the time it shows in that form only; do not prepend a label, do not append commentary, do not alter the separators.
{"hour": 12, "minute": 16}
